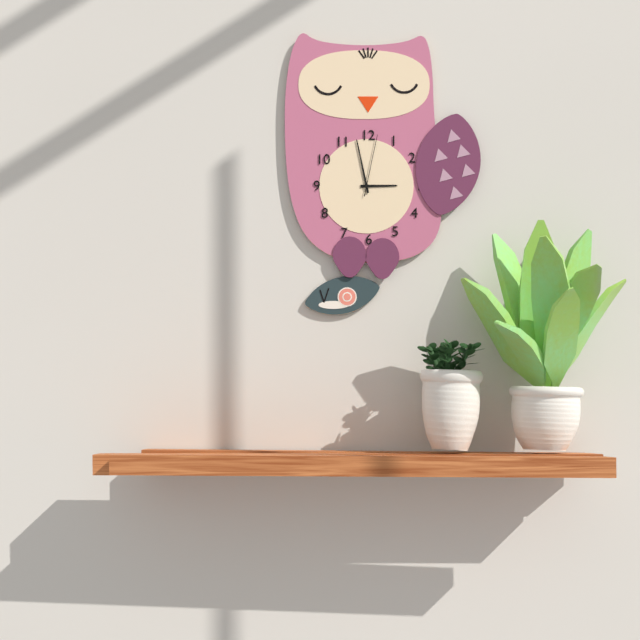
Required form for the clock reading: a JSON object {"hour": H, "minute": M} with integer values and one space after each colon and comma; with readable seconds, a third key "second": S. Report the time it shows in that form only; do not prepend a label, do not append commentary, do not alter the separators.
{"hour": 2, "minute": 58, "second": 2}
